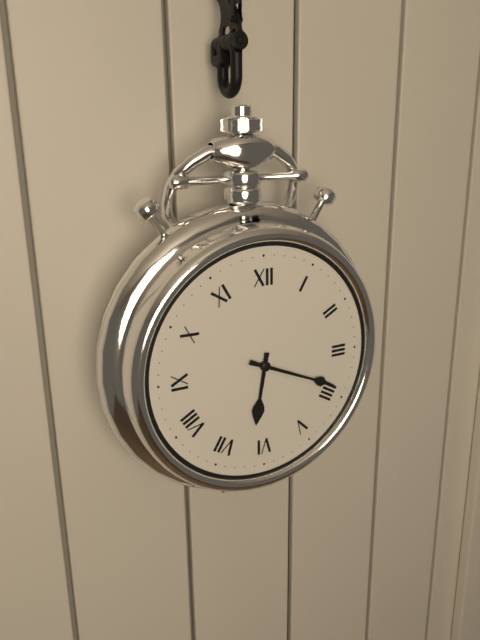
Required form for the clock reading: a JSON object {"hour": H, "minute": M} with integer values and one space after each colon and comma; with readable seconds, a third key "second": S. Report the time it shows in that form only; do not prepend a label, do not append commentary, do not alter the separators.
{"hour": 6, "minute": 19}
